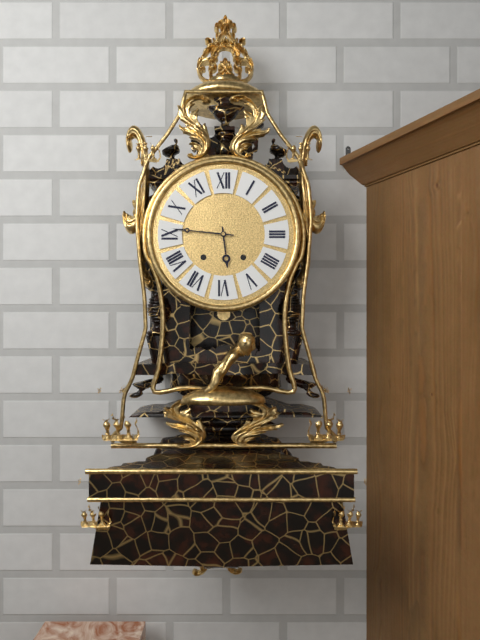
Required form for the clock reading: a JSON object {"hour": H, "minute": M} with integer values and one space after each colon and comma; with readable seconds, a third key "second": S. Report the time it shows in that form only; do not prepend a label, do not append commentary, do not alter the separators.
{"hour": 5, "minute": 46}
